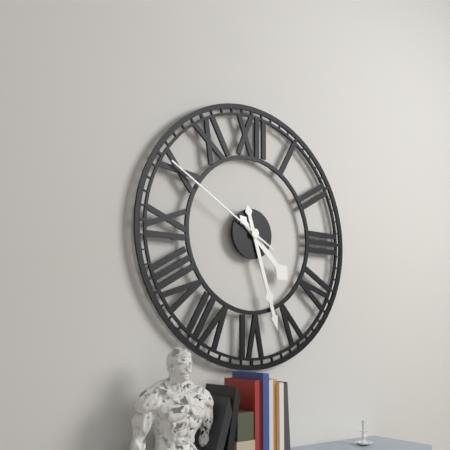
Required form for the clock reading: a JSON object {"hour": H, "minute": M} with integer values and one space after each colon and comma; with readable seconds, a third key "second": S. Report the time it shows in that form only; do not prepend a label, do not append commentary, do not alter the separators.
{"hour": 4, "minute": 27, "second": 50}
